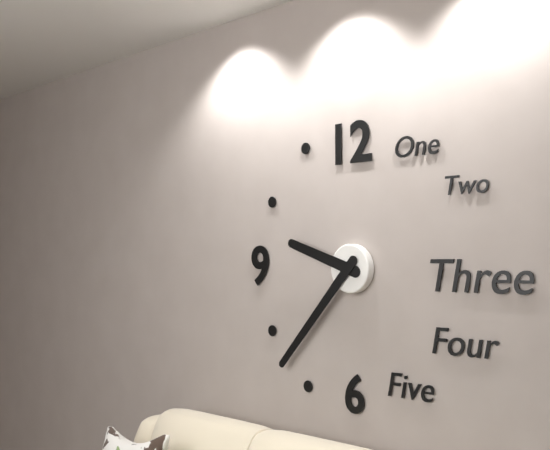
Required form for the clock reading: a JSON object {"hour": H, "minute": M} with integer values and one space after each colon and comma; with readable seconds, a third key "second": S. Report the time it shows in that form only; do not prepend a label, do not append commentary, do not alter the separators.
{"hour": 9, "minute": 37}
